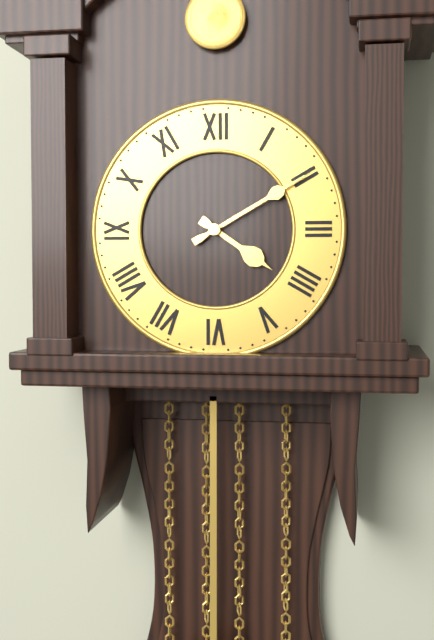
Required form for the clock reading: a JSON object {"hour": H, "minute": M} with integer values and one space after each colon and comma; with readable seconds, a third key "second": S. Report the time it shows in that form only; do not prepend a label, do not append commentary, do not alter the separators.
{"hour": 4, "minute": 10}
